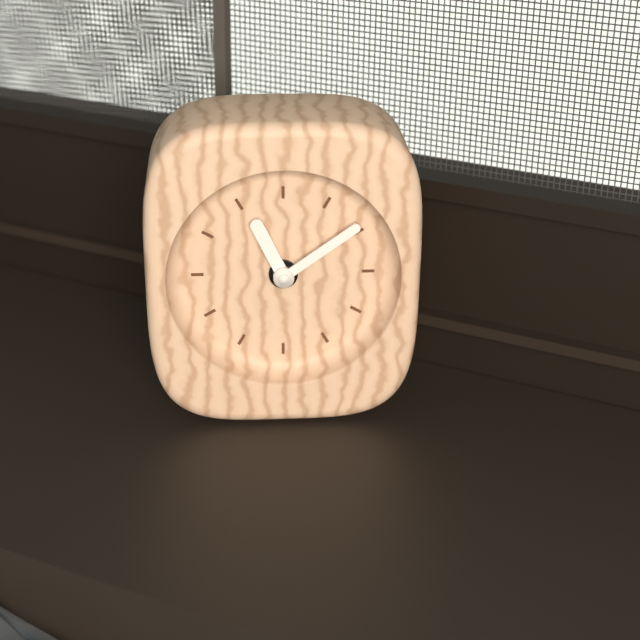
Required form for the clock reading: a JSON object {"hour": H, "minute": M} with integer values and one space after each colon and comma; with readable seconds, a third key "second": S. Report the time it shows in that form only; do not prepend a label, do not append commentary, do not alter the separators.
{"hour": 11, "minute": 9}
